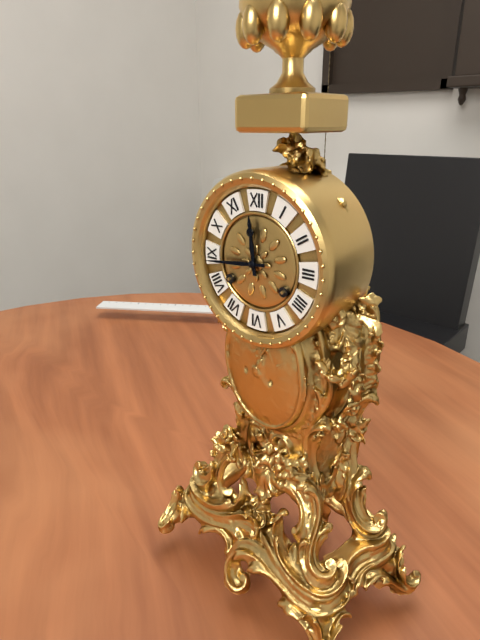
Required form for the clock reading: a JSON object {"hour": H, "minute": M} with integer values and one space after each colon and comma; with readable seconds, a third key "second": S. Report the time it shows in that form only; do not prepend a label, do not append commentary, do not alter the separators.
{"hour": 11, "minute": 44}
